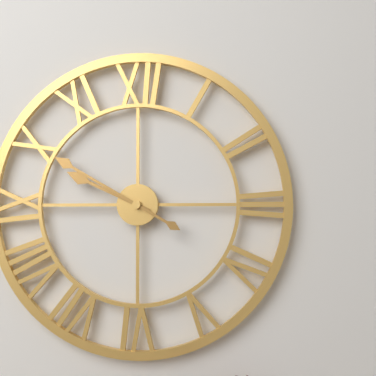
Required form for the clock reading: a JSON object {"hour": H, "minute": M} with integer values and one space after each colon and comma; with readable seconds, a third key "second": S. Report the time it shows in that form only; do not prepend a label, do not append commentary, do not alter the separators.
{"hour": 9, "minute": 50}
